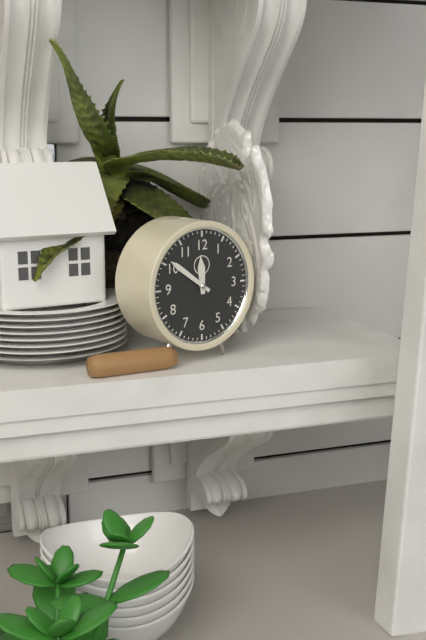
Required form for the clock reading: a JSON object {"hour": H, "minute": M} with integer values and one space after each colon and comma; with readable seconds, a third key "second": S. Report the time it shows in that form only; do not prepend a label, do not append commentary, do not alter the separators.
{"hour": 11, "minute": 51}
